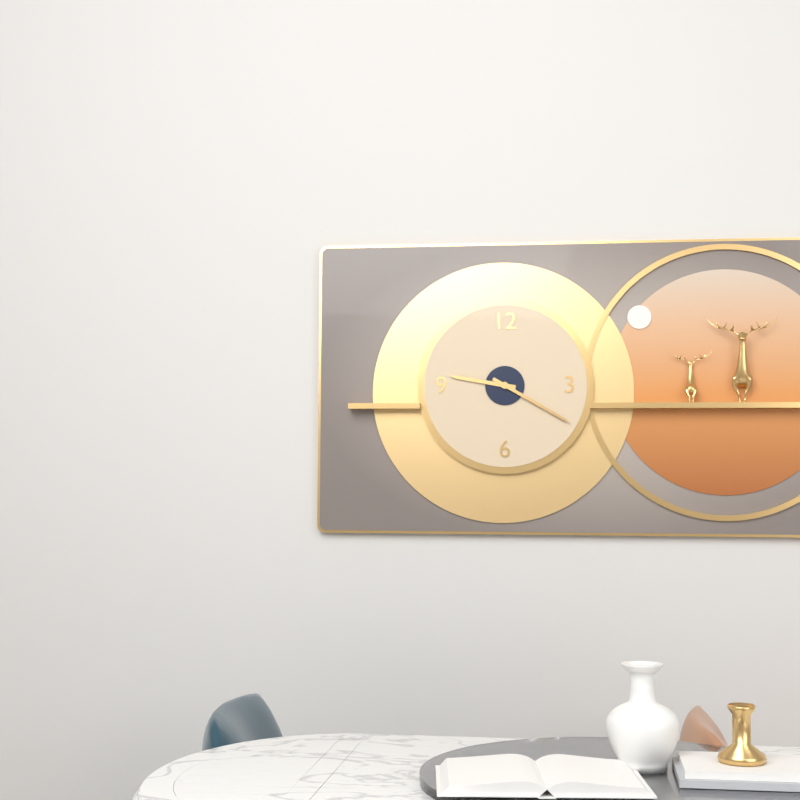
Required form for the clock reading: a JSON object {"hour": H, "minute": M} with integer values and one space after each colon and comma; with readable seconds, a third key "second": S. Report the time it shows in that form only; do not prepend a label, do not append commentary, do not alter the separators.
{"hour": 9, "minute": 20}
